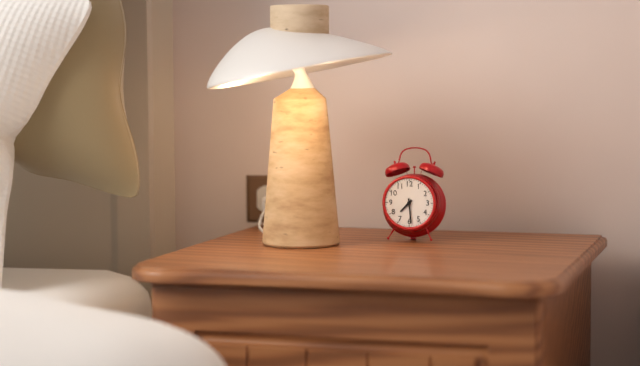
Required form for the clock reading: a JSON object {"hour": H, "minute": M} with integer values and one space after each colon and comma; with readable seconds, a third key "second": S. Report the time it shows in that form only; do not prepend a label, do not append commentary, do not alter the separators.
{"hour": 7, "minute": 29}
